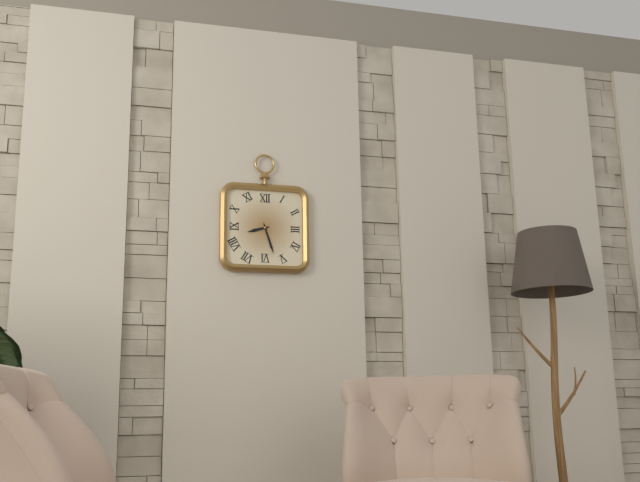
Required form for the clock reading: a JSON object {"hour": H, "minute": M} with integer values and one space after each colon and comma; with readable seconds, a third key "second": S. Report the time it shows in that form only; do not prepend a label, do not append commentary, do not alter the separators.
{"hour": 8, "minute": 27}
